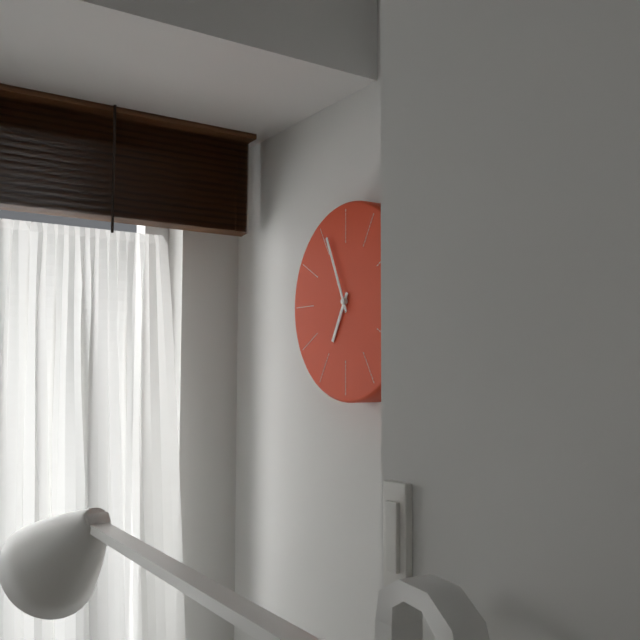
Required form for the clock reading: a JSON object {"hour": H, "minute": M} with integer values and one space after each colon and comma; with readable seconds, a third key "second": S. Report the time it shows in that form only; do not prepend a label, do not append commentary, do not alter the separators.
{"hour": 6, "minute": 56}
